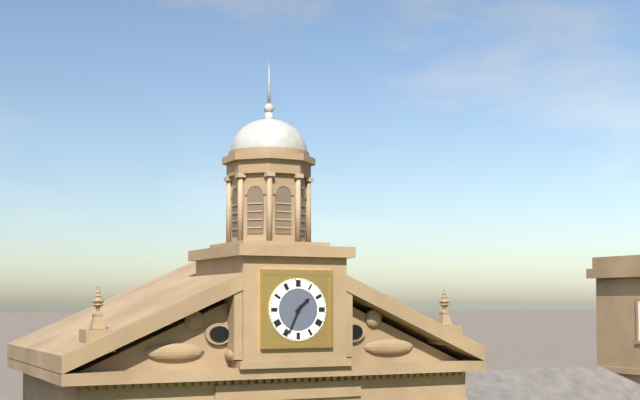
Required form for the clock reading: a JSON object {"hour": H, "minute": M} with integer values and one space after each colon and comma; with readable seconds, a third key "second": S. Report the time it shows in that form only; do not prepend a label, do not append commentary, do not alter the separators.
{"hour": 1, "minute": 34}
